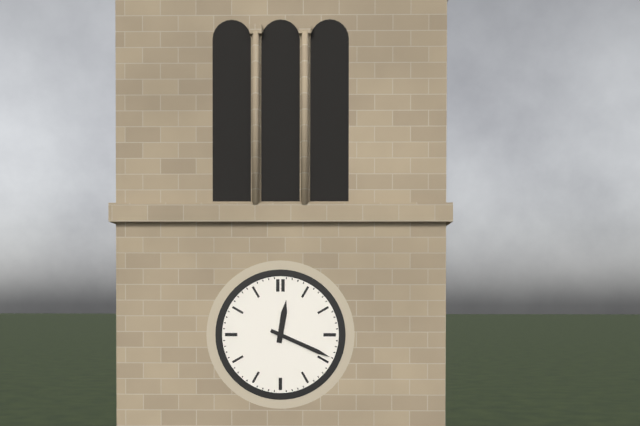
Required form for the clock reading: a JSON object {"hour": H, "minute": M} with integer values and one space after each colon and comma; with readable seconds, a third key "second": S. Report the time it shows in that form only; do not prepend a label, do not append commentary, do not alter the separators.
{"hour": 12, "minute": 19}
